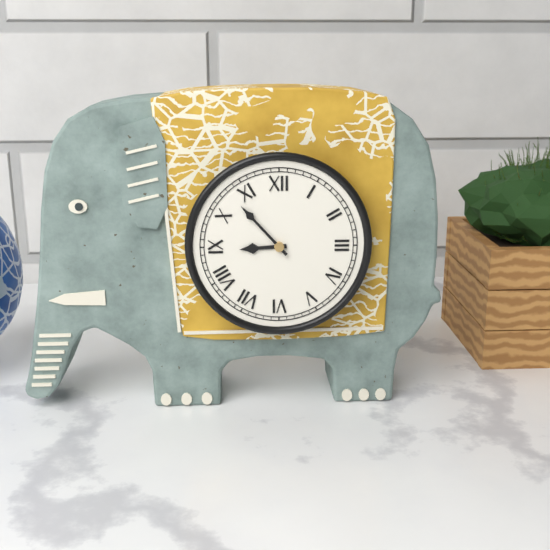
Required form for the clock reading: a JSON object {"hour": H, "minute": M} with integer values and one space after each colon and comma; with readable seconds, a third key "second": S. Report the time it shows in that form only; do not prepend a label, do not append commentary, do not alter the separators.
{"hour": 8, "minute": 53}
